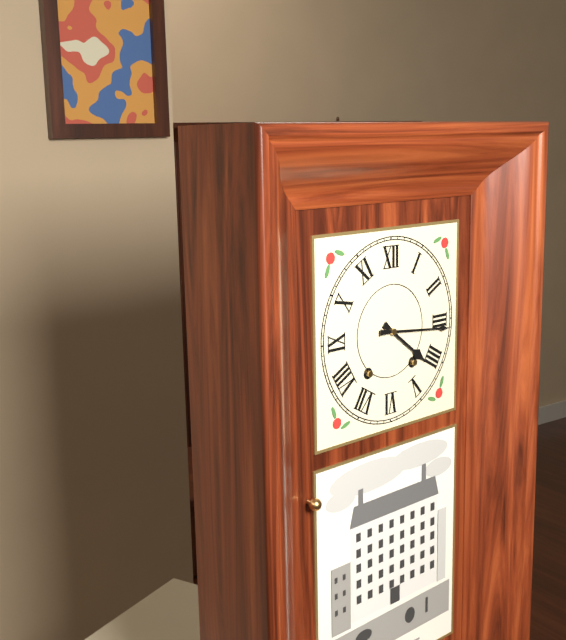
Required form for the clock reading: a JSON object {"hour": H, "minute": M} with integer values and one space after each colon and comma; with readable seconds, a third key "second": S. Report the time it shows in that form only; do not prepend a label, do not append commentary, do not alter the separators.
{"hour": 4, "minute": 16}
